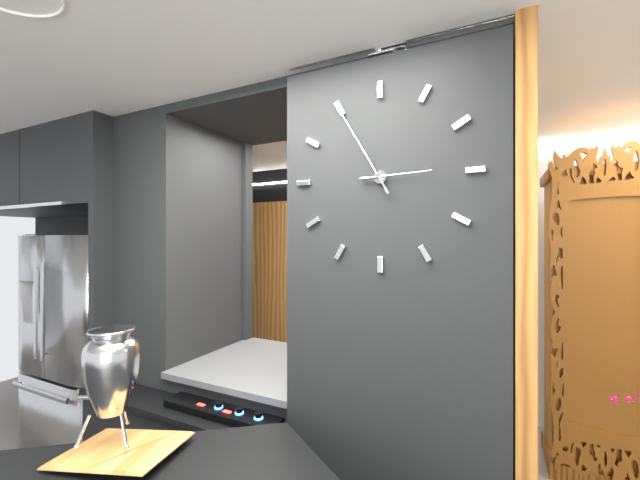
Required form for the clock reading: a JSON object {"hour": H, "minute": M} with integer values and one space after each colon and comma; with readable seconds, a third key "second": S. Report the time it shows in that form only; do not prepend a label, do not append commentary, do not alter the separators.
{"hour": 2, "minute": 55}
